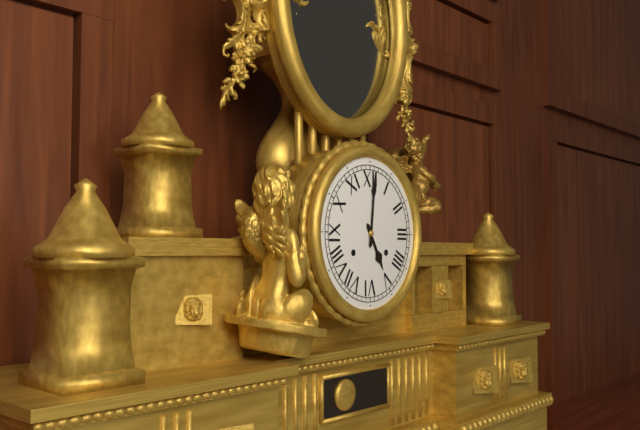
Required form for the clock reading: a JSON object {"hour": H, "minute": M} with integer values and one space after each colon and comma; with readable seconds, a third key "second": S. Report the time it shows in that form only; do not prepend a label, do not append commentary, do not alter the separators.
{"hour": 5, "minute": 1}
